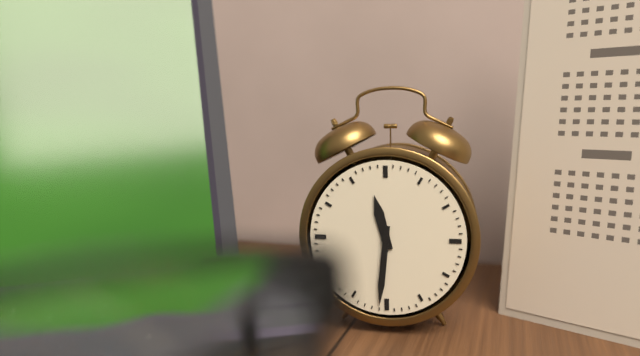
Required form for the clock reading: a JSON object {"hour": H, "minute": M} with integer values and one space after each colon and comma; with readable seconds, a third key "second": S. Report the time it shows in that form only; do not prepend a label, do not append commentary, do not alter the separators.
{"hour": 11, "minute": 31}
